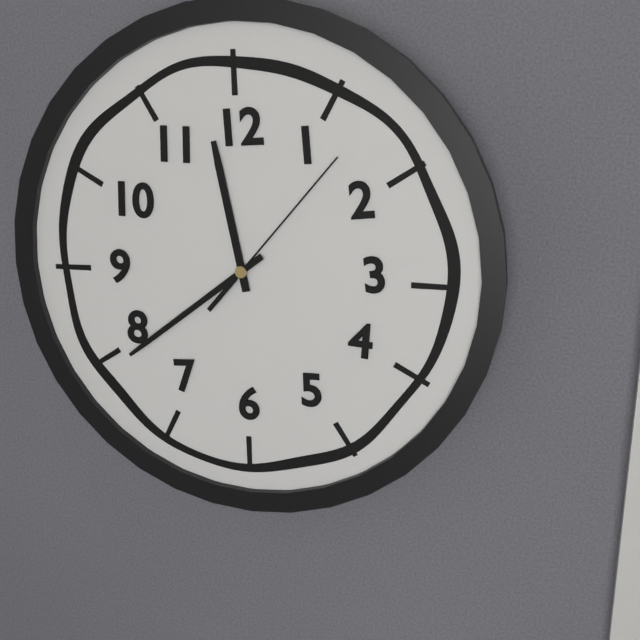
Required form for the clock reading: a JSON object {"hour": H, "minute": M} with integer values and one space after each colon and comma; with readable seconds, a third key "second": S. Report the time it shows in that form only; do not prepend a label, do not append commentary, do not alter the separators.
{"hour": 11, "minute": 39, "second": 7}
